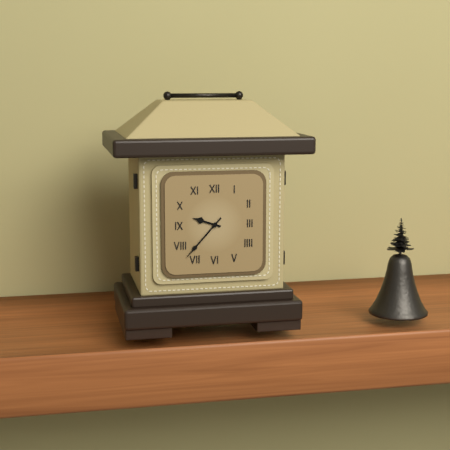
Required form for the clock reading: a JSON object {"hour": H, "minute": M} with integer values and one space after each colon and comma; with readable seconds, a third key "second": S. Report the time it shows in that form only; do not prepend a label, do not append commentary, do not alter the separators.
{"hour": 9, "minute": 37}
